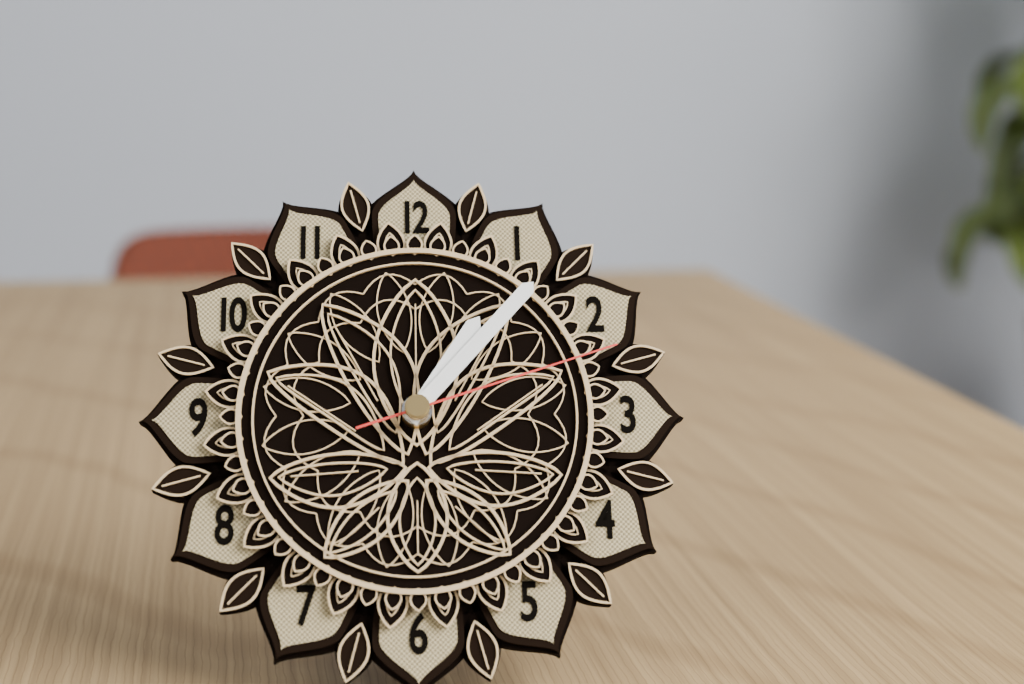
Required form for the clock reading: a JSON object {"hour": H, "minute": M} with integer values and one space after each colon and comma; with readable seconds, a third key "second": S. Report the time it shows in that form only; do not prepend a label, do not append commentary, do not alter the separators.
{"hour": 1, "minute": 7, "second": 12}
